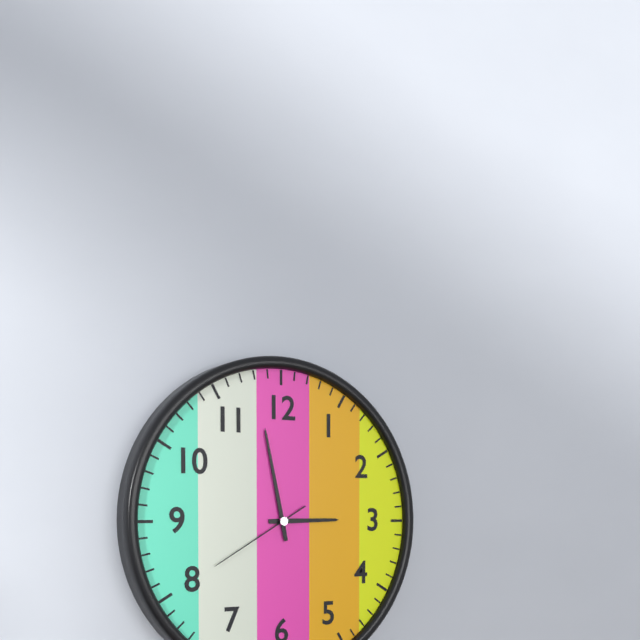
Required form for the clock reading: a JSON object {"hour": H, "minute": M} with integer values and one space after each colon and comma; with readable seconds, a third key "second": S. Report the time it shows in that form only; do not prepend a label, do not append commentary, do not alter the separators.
{"hour": 2, "minute": 58, "second": 40}
